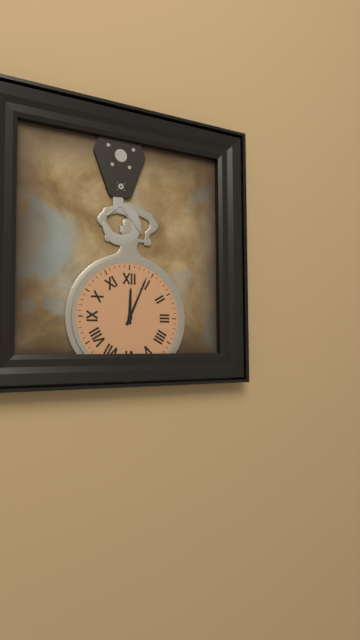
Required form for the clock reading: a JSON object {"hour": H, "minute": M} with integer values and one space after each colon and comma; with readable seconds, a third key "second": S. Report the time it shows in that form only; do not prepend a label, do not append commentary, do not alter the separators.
{"hour": 12, "minute": 4}
